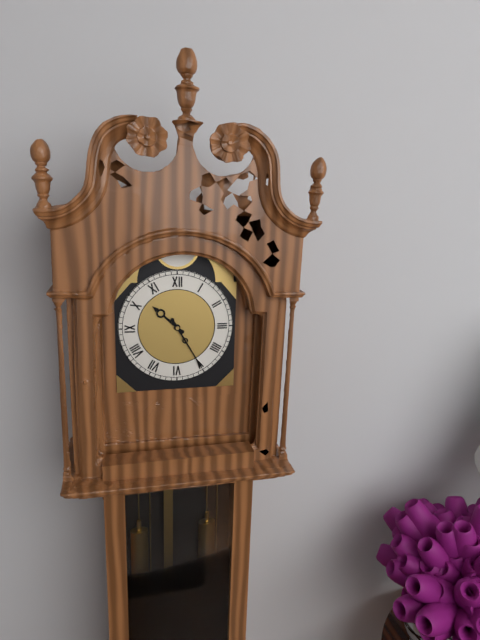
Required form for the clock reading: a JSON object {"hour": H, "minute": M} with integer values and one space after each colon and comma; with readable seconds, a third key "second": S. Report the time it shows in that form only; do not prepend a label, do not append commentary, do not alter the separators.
{"hour": 10, "minute": 25}
